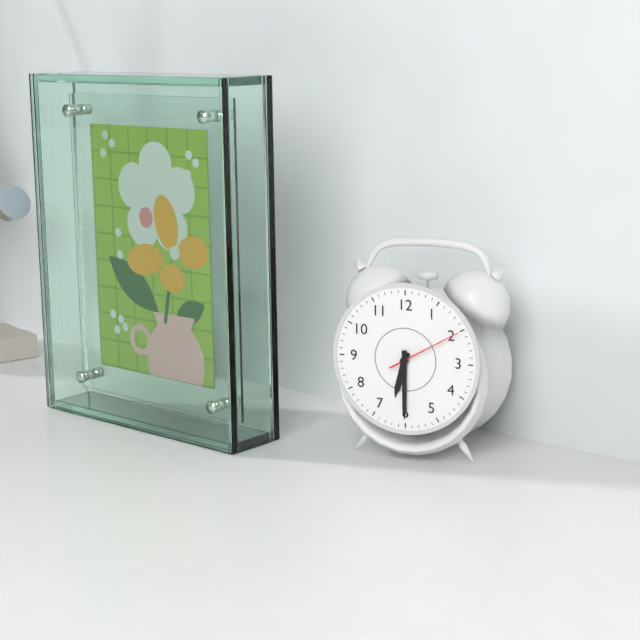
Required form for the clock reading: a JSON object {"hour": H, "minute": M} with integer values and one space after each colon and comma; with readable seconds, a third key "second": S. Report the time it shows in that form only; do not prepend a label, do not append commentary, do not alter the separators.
{"hour": 6, "minute": 30, "second": 10}
